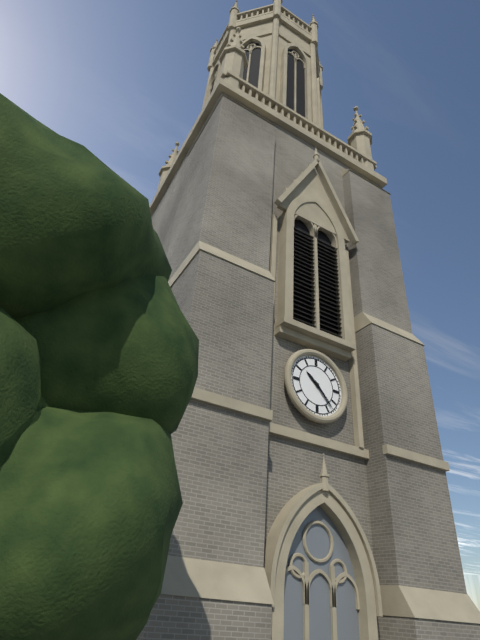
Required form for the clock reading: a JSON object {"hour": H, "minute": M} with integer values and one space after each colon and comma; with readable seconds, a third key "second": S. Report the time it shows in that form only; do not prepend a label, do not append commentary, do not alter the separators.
{"hour": 10, "minute": 23}
